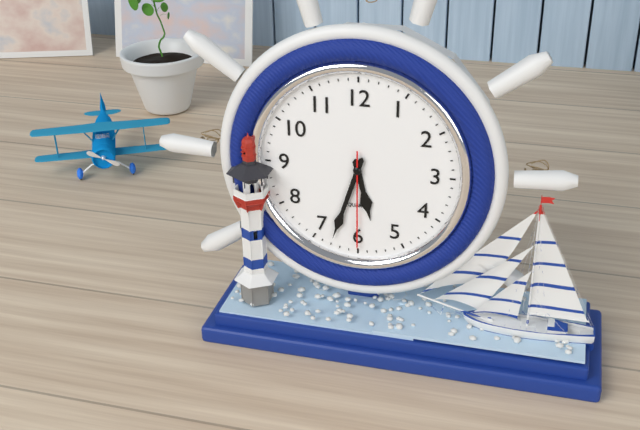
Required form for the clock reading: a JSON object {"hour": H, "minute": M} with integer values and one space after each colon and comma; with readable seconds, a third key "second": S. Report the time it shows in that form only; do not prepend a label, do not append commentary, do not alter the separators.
{"hour": 5, "minute": 33, "second": 30}
